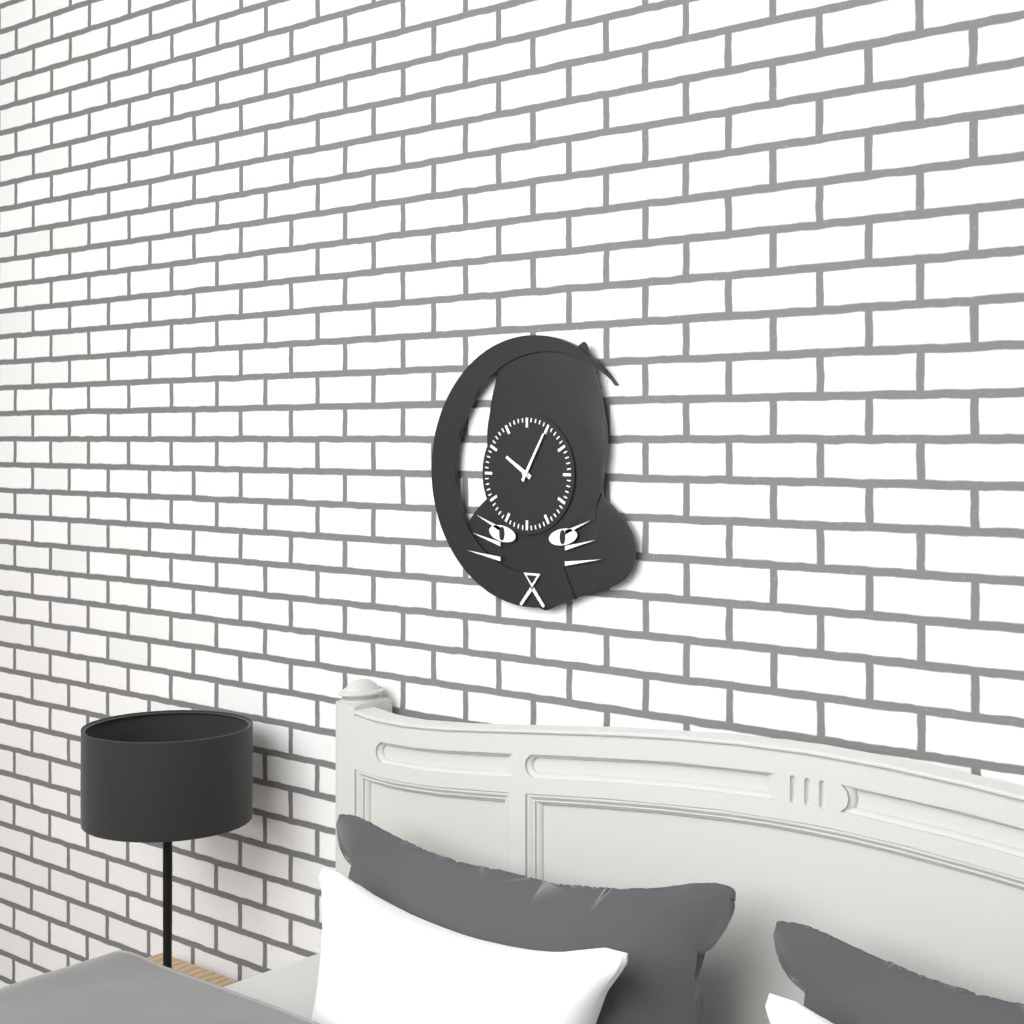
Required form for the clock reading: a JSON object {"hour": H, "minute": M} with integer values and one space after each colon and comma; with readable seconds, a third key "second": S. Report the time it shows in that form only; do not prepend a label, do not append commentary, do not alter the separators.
{"hour": 10, "minute": 5}
